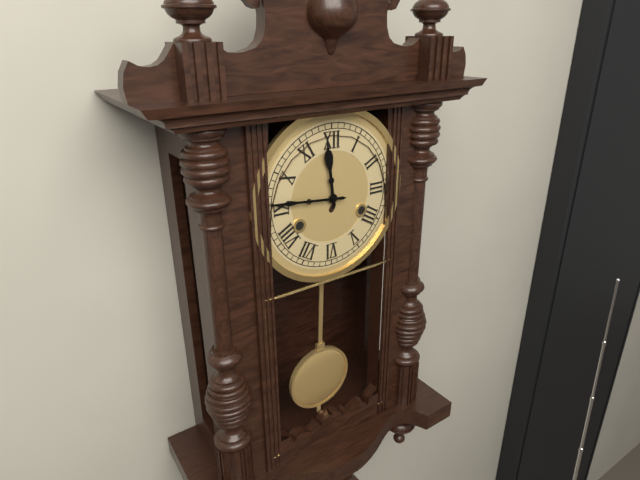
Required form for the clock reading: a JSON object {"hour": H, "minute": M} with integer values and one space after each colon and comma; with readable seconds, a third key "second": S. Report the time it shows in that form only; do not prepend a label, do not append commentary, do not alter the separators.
{"hour": 11, "minute": 46}
